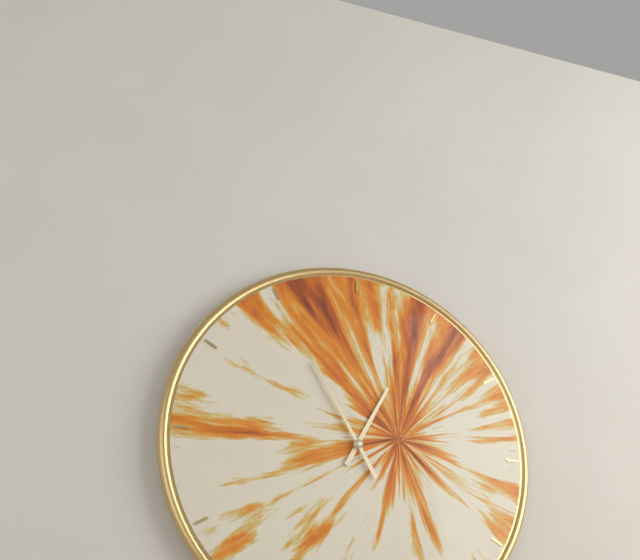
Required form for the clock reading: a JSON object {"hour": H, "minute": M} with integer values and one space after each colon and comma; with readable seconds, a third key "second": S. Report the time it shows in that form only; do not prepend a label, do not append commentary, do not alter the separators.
{"hour": 12, "minute": 55}
